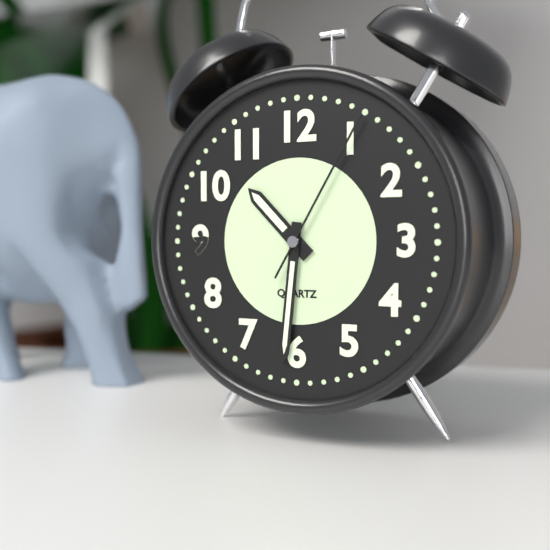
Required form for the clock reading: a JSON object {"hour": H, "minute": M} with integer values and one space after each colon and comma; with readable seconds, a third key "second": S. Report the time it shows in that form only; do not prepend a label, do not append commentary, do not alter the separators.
{"hour": 10, "minute": 31, "second": 5}
